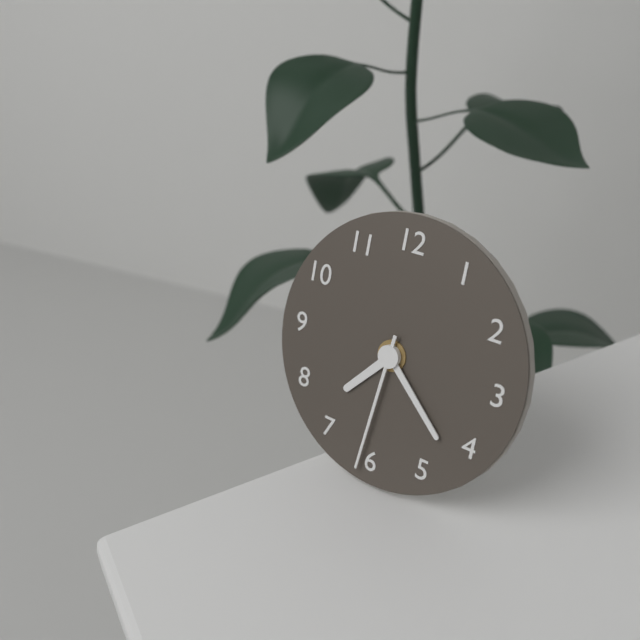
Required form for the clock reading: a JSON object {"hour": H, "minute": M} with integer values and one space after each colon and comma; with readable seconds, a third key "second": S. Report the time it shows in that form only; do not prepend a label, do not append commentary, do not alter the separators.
{"hour": 7, "minute": 22, "second": 31}
